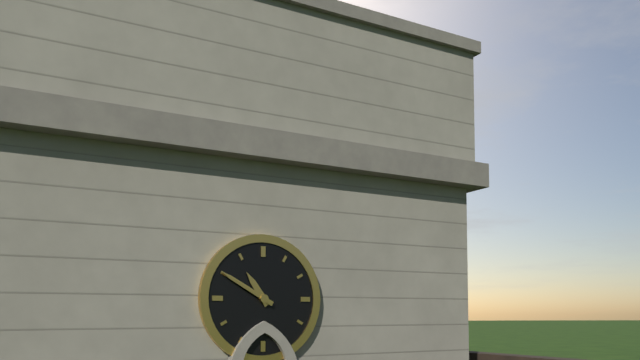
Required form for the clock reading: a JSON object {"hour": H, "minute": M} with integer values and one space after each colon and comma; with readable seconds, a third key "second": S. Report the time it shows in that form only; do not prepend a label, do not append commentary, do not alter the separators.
{"hour": 10, "minute": 50}
